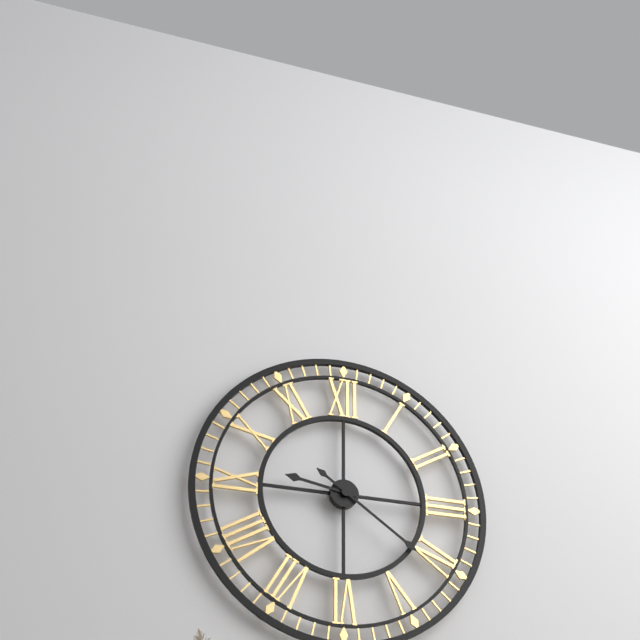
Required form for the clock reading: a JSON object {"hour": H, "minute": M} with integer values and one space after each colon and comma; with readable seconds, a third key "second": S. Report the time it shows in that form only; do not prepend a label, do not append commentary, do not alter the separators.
{"hour": 9, "minute": 21}
